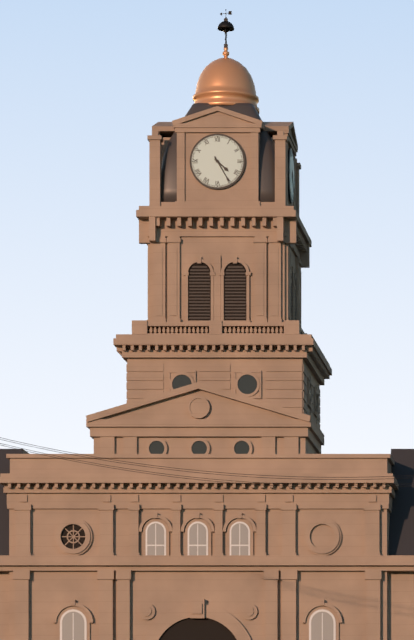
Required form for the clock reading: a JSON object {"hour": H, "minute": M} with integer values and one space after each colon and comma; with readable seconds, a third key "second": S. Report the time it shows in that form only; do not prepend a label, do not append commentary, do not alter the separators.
{"hour": 4, "minute": 25}
